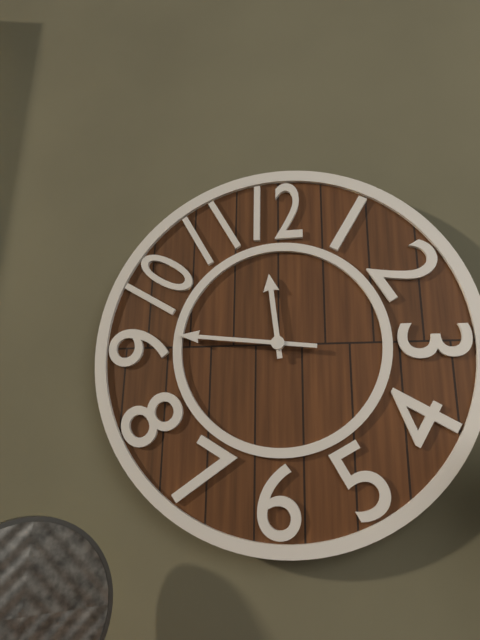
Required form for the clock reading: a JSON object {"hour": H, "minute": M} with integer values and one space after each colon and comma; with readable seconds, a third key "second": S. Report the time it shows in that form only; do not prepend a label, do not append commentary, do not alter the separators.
{"hour": 11, "minute": 46}
